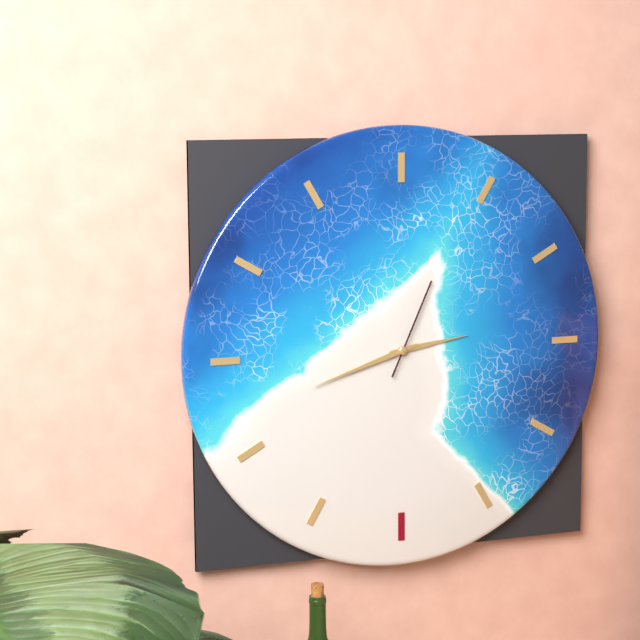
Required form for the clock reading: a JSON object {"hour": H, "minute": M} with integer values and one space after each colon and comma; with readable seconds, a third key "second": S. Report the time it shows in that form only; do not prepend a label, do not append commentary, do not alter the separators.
{"hour": 2, "minute": 42, "second": 4}
